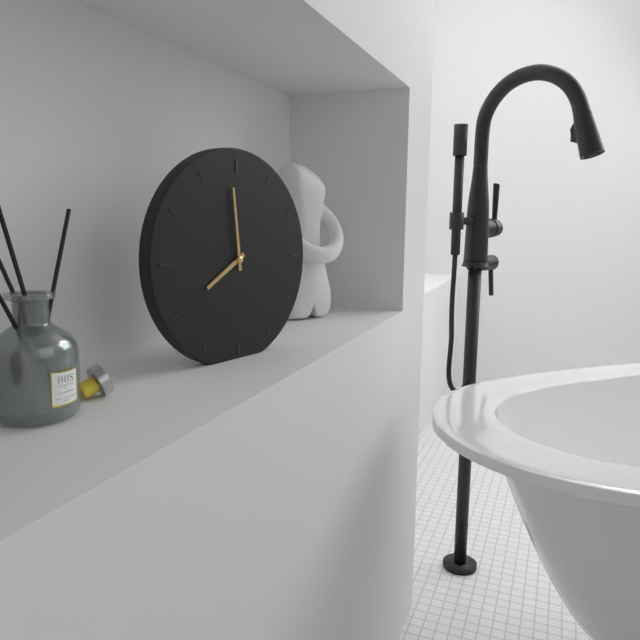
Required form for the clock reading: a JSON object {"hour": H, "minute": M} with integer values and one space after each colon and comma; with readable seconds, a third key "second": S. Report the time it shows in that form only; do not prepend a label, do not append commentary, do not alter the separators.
{"hour": 7, "minute": 59}
